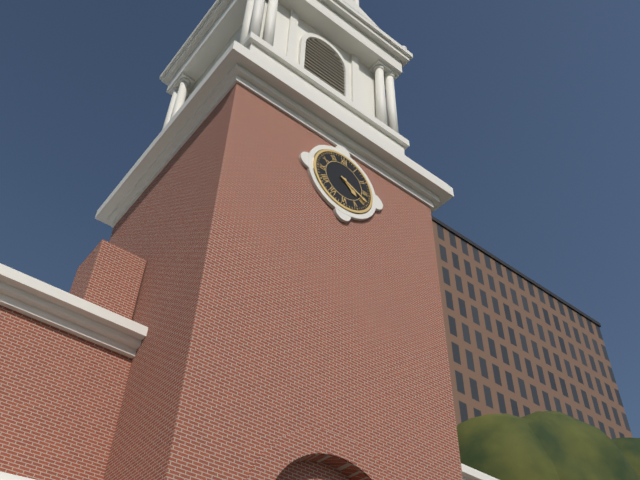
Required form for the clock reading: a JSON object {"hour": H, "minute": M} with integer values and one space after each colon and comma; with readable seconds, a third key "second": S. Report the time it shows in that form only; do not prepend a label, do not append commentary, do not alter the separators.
{"hour": 4, "minute": 19}
